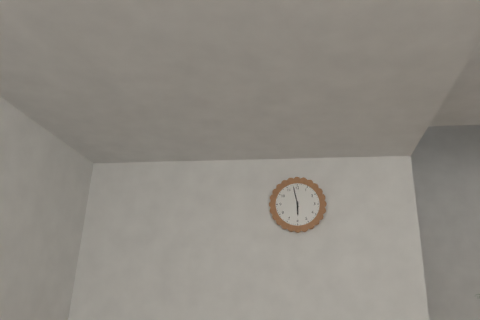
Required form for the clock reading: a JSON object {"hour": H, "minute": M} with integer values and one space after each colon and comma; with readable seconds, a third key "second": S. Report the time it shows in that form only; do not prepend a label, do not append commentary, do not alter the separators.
{"hour": 5, "minute": 58}
